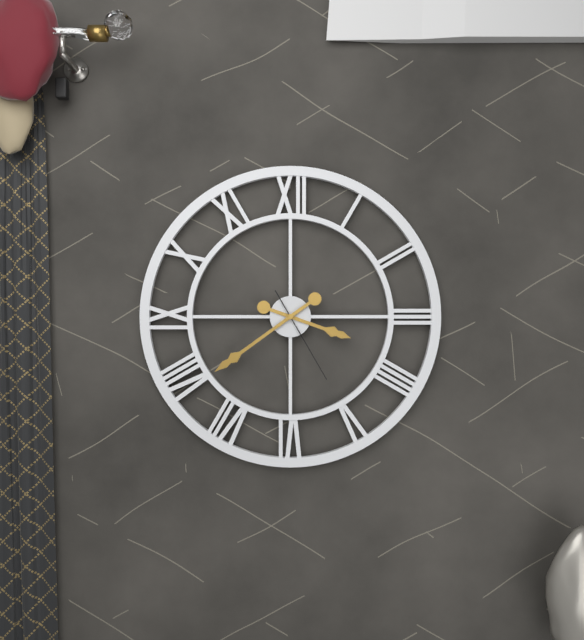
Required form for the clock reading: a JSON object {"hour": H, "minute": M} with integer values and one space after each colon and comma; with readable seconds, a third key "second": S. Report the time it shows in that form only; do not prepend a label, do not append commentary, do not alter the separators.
{"hour": 3, "minute": 39, "second": 25}
